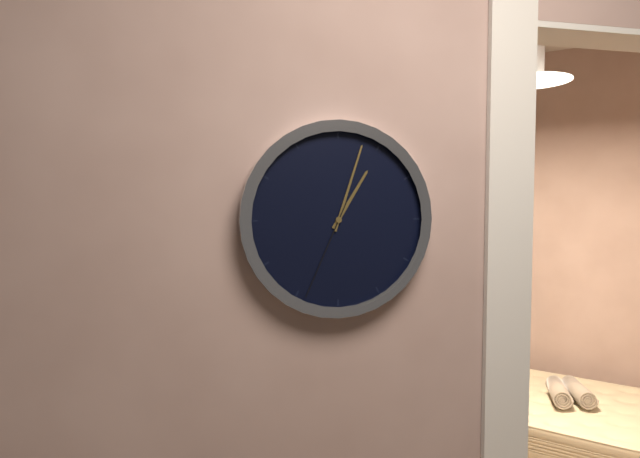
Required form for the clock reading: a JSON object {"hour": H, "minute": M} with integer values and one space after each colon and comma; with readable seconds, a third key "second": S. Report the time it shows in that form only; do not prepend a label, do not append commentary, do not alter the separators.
{"hour": 1, "minute": 3, "second": 34}
